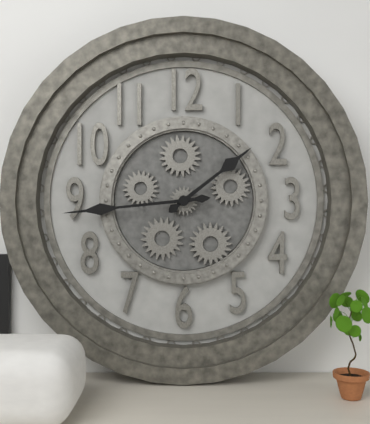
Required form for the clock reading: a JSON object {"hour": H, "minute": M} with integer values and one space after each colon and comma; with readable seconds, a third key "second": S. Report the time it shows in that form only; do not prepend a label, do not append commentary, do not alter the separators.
{"hour": 1, "minute": 44}
